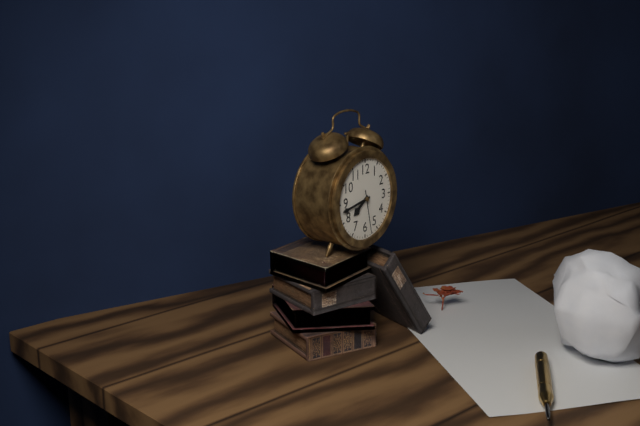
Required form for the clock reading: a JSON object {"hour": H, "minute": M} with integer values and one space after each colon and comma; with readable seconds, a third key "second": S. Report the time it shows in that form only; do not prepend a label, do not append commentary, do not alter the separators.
{"hour": 7, "minute": 43}
